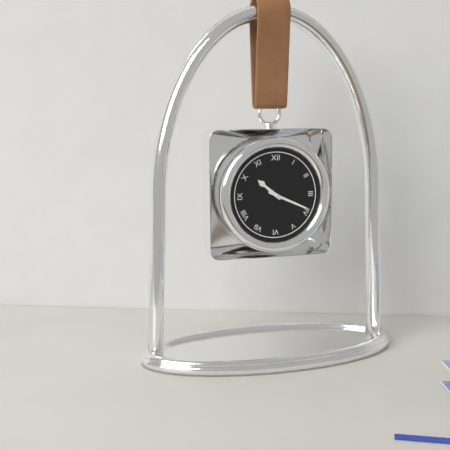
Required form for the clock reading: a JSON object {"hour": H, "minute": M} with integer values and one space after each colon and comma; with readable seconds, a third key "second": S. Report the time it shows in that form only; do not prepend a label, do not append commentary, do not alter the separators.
{"hour": 10, "minute": 19}
